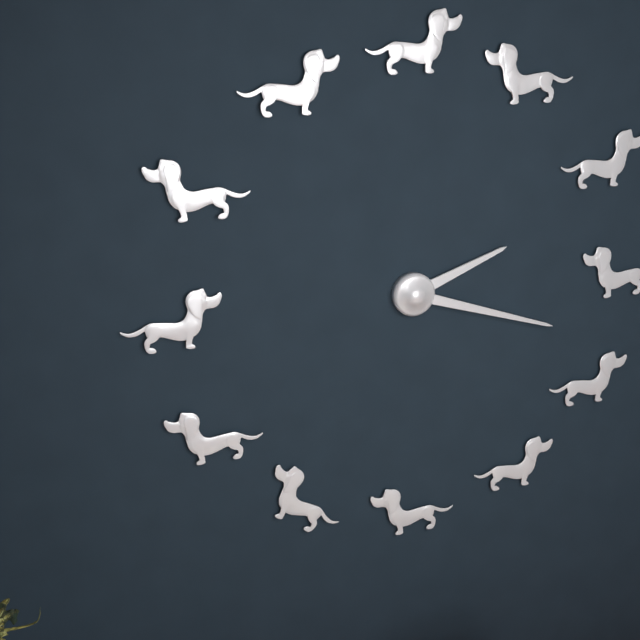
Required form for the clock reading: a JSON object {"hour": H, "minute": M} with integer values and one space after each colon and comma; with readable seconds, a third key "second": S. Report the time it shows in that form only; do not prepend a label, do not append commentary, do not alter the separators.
{"hour": 2, "minute": 18}
